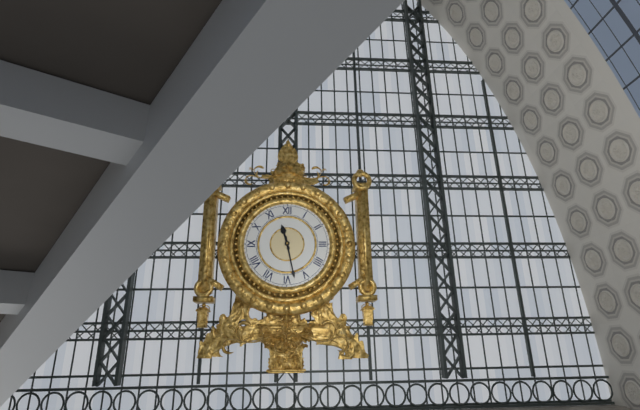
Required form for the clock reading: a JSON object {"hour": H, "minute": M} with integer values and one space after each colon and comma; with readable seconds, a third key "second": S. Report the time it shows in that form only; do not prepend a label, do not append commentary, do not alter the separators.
{"hour": 11, "minute": 28}
